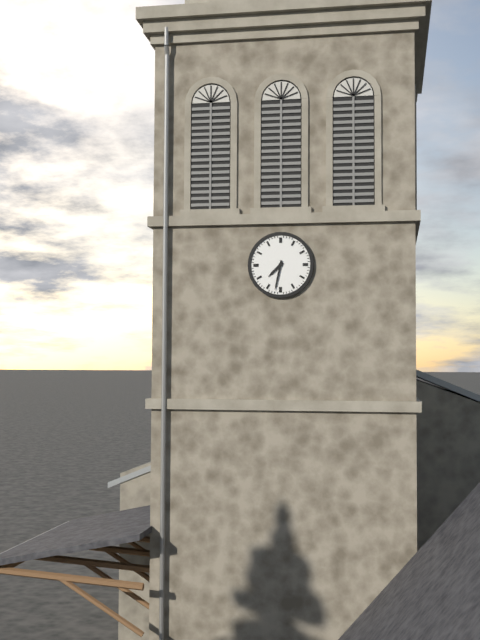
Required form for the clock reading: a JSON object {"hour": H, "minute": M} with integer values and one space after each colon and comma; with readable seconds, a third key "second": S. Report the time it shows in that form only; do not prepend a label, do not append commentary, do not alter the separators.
{"hour": 7, "minute": 32}
